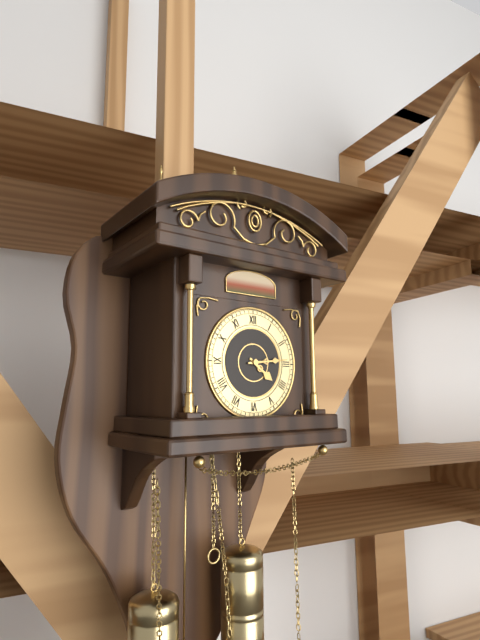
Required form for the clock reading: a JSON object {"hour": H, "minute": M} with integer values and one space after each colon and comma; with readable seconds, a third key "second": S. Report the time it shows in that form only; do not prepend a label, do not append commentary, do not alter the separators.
{"hour": 4, "minute": 14}
